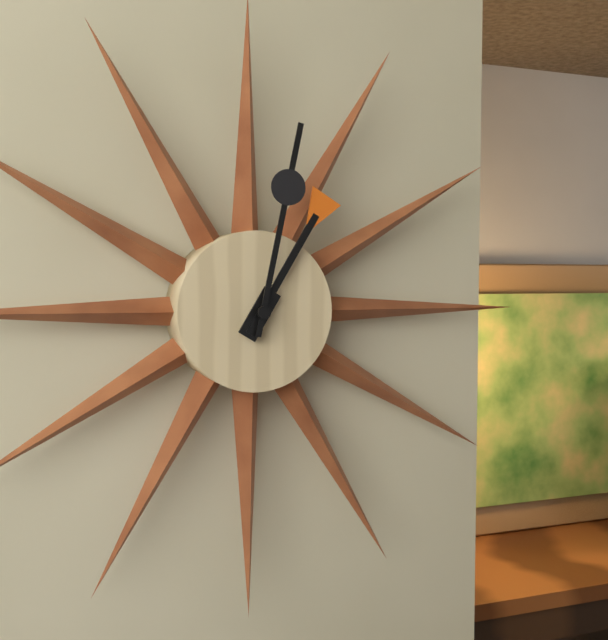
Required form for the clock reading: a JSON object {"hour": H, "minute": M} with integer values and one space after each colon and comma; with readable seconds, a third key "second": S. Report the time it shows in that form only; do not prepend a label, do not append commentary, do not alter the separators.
{"hour": 1, "minute": 2}
